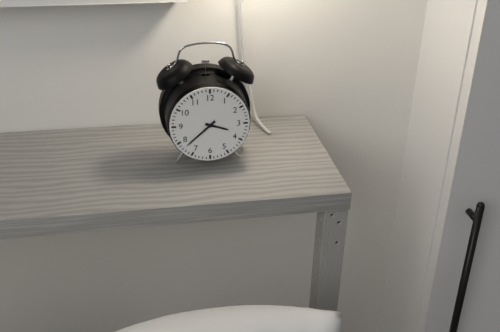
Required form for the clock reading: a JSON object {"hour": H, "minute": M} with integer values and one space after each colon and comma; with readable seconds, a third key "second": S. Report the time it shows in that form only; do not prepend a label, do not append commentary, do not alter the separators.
{"hour": 3, "minute": 38}
